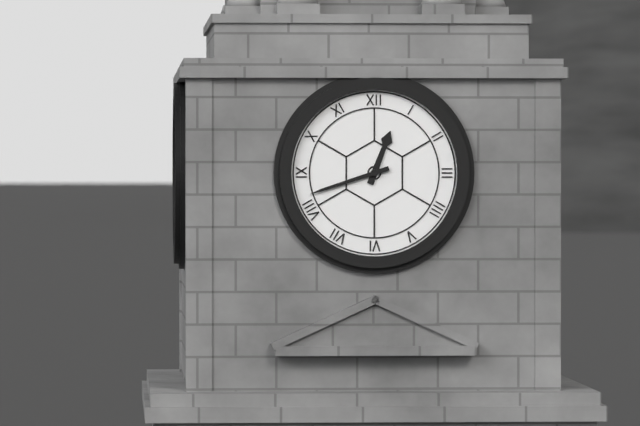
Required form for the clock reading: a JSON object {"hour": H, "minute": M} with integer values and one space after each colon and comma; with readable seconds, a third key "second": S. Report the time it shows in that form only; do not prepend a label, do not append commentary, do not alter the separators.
{"hour": 12, "minute": 42}
